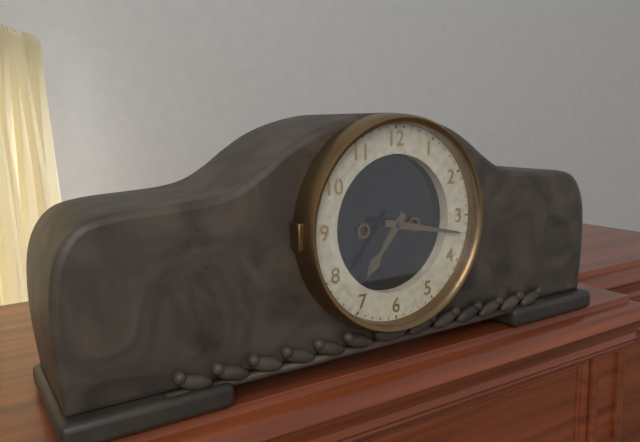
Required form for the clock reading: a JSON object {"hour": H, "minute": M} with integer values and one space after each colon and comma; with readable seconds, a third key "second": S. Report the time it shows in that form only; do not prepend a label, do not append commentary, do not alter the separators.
{"hour": 7, "minute": 17}
